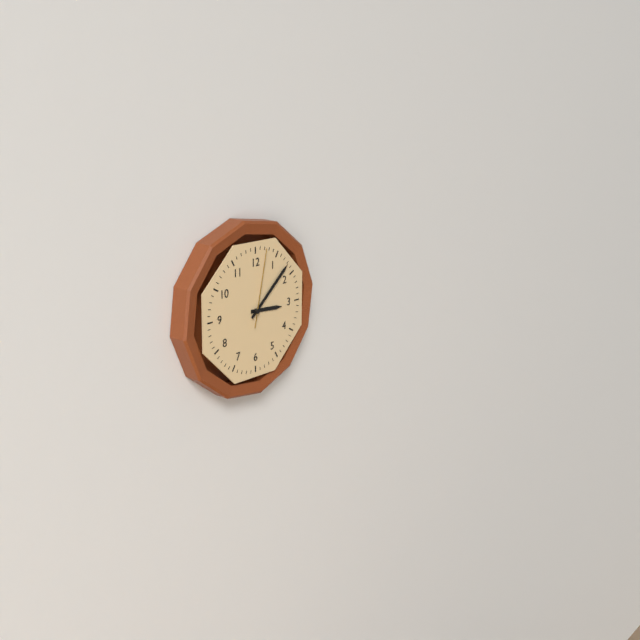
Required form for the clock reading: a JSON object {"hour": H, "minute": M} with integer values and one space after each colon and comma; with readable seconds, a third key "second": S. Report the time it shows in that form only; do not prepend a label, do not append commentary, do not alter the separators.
{"hour": 3, "minute": 8, "second": 2}
